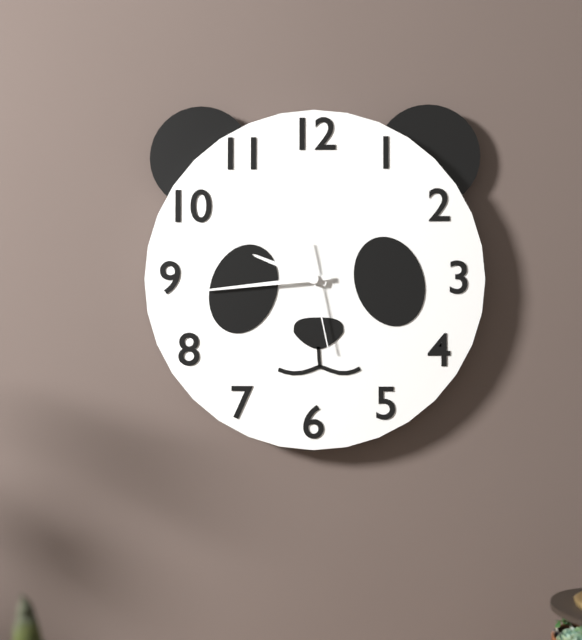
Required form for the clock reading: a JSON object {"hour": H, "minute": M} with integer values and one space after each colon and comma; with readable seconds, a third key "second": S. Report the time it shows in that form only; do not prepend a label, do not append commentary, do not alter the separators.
{"hour": 9, "minute": 44, "second": 28}
